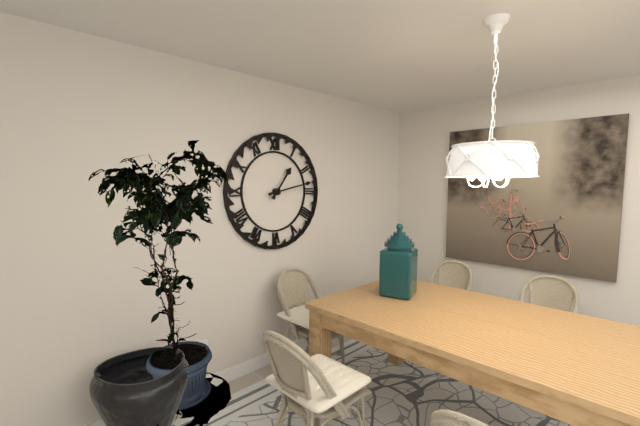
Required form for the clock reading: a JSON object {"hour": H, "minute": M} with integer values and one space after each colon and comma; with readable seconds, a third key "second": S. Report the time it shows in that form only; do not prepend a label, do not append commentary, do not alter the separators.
{"hour": 1, "minute": 13}
